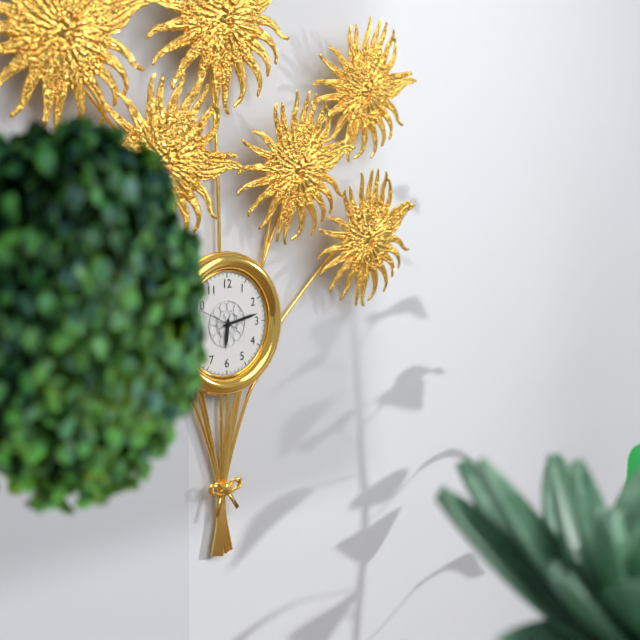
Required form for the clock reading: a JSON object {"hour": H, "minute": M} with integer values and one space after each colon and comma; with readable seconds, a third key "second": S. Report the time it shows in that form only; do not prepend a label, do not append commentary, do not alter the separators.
{"hour": 6, "minute": 13}
